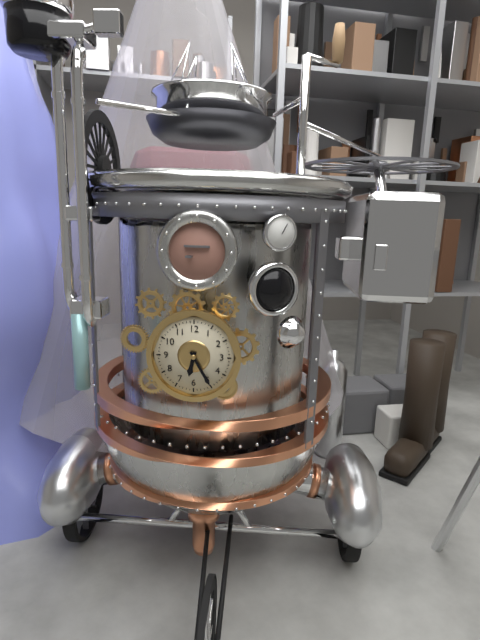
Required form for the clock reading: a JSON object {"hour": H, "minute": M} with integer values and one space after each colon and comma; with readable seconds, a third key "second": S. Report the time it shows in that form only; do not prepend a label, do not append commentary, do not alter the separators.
{"hour": 6, "minute": 25}
